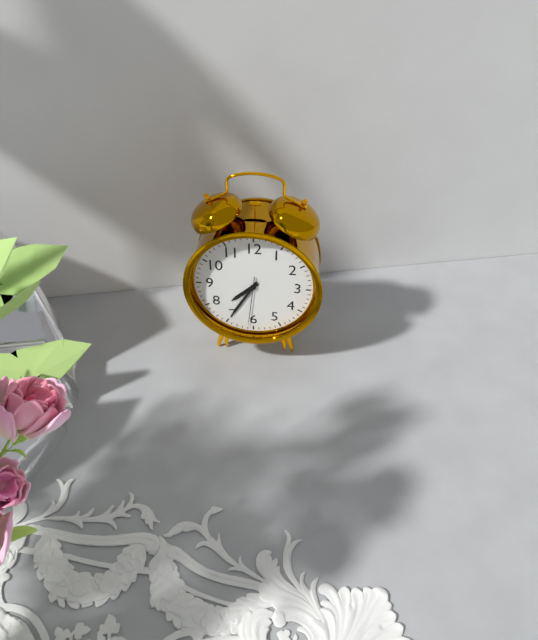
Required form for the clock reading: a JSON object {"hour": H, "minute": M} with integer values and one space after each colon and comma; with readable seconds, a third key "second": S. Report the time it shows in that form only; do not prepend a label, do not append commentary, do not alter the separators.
{"hour": 7, "minute": 35}
